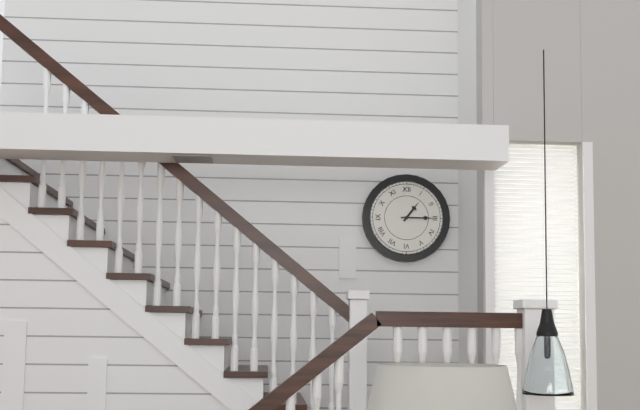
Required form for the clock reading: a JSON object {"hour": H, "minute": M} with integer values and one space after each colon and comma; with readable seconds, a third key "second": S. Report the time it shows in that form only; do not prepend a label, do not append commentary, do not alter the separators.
{"hour": 1, "minute": 15}
